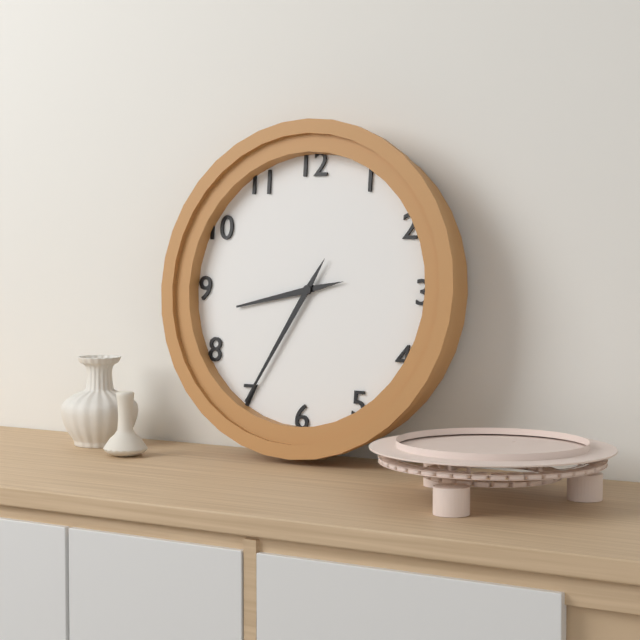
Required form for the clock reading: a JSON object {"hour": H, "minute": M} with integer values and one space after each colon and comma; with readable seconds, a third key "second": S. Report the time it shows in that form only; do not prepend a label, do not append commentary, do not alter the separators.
{"hour": 8, "minute": 35}
